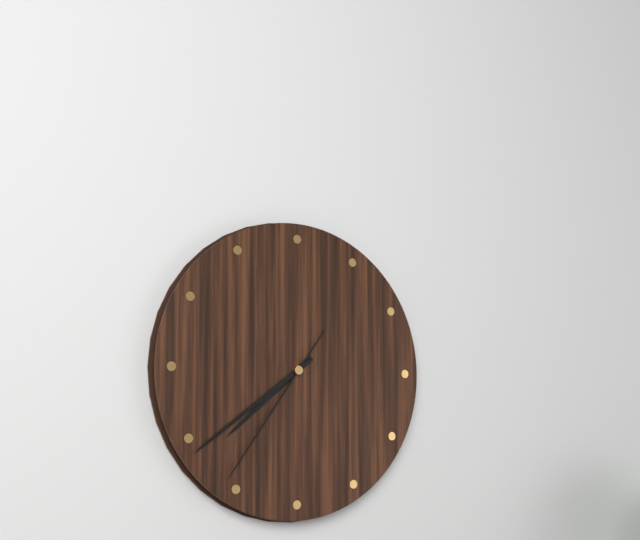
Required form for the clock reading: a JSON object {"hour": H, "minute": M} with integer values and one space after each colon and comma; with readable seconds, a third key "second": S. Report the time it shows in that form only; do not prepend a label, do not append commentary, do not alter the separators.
{"hour": 7, "minute": 39, "second": 36}
